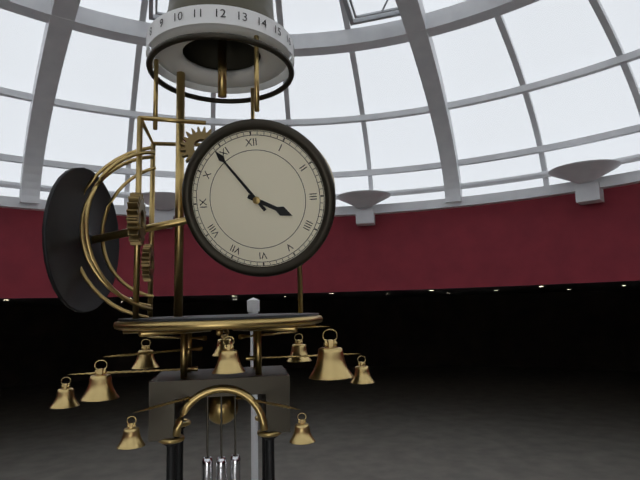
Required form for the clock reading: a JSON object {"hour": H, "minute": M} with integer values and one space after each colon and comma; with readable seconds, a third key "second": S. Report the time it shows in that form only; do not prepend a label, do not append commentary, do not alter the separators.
{"hour": 3, "minute": 54}
